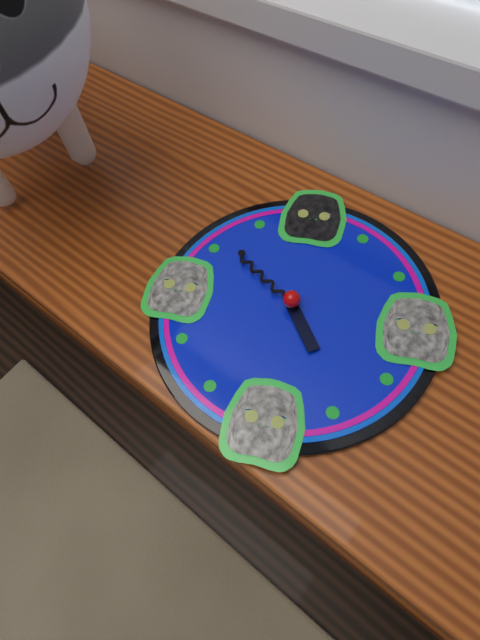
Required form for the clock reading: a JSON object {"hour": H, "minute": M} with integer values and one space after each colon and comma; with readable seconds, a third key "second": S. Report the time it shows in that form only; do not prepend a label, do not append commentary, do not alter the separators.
{"hour": 4, "minute": 51}
